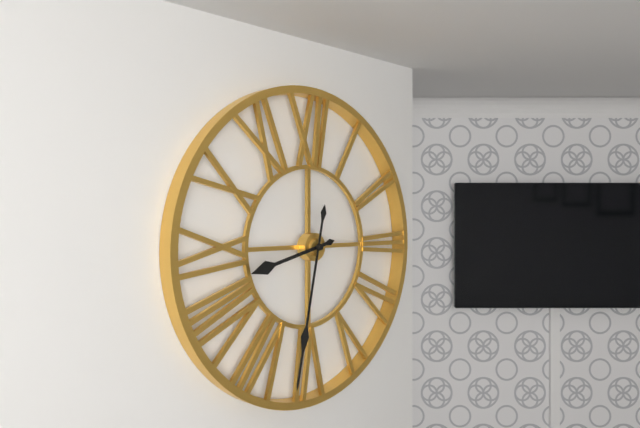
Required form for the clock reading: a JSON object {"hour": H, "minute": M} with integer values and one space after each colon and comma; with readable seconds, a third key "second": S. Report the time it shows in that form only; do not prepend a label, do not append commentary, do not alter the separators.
{"hour": 8, "minute": 32}
